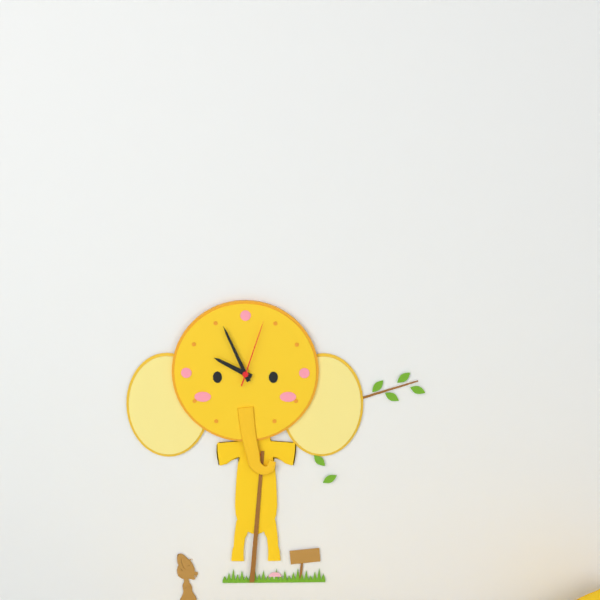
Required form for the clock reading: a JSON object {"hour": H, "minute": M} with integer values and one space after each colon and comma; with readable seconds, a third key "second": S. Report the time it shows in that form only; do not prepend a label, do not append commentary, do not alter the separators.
{"hour": 9, "minute": 56, "second": 3}
